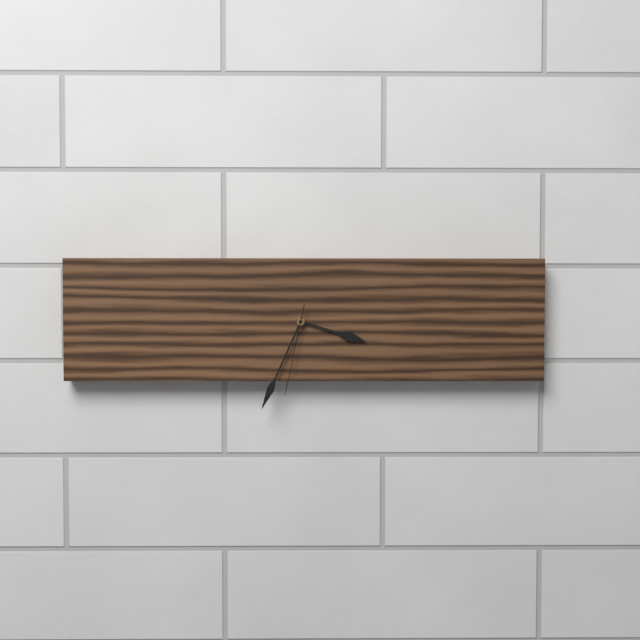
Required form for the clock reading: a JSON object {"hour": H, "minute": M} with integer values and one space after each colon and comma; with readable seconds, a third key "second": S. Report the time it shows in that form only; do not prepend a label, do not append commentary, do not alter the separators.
{"hour": 3, "minute": 34, "second": 32}
